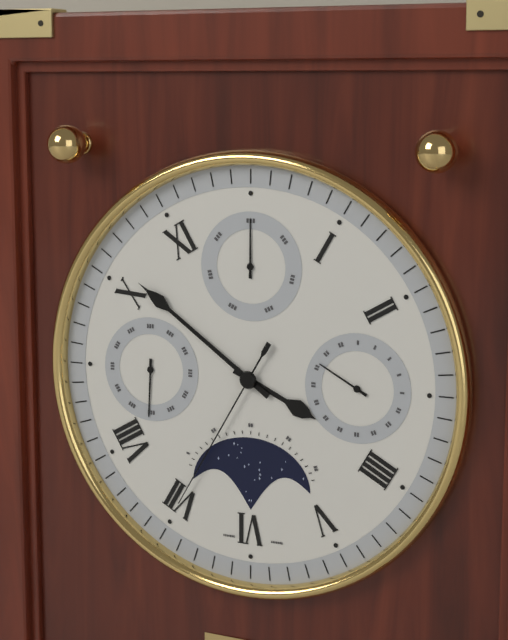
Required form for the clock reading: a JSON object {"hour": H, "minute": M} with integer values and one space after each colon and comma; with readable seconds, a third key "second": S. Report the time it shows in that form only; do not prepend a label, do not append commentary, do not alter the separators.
{"hour": 3, "minute": 51, "second": 35}
